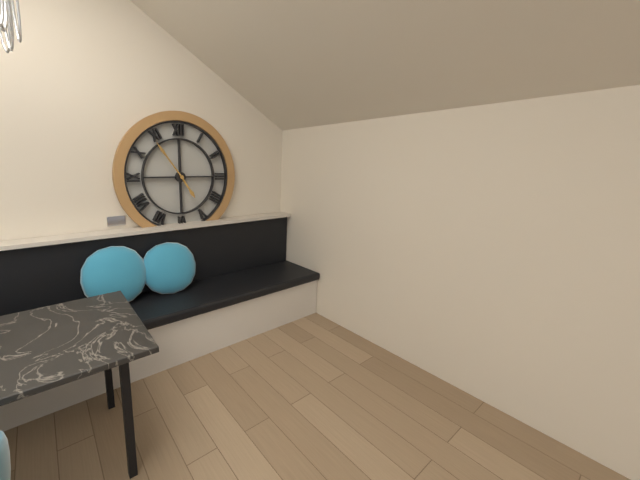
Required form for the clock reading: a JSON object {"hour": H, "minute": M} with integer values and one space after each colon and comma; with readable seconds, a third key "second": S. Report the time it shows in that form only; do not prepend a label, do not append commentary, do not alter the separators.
{"hour": 4, "minute": 54}
